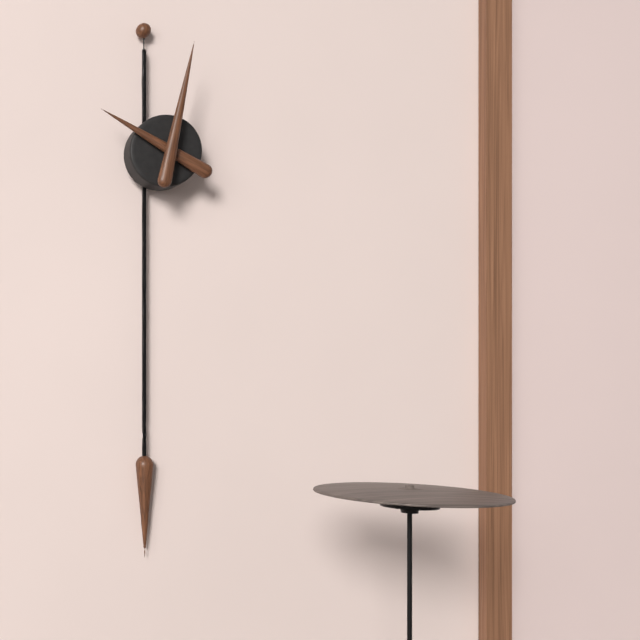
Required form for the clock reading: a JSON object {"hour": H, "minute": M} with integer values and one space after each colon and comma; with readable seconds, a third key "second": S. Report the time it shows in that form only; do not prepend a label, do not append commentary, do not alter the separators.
{"hour": 10, "minute": 2}
